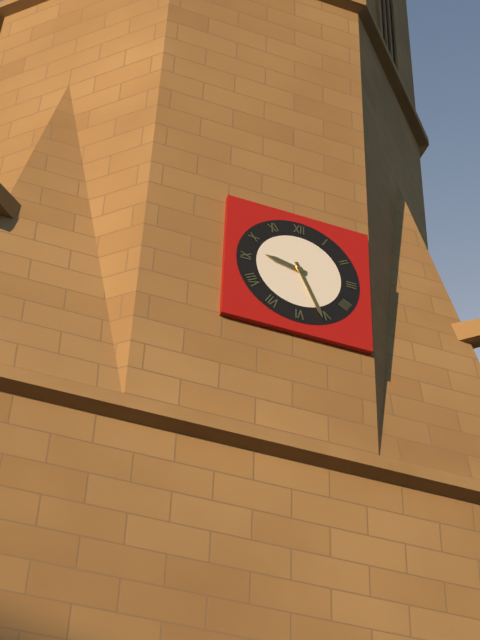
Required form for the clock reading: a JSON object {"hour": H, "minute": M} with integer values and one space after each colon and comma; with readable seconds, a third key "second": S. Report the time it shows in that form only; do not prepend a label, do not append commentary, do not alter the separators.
{"hour": 9, "minute": 26}
